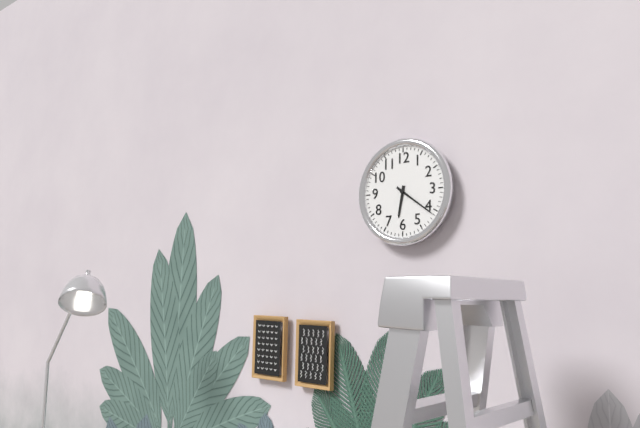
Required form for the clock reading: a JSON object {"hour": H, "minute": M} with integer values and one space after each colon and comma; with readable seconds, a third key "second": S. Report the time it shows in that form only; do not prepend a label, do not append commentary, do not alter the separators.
{"hour": 6, "minute": 21}
